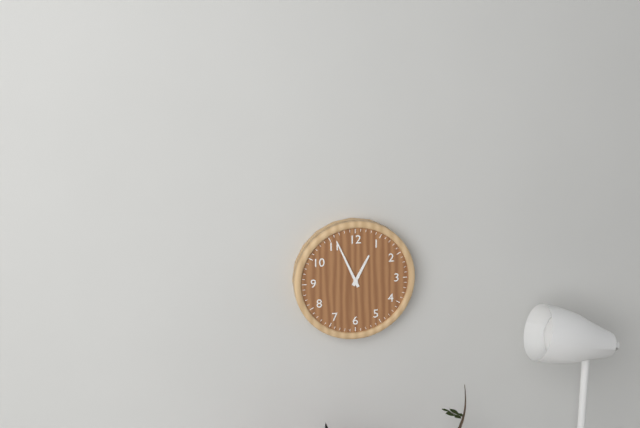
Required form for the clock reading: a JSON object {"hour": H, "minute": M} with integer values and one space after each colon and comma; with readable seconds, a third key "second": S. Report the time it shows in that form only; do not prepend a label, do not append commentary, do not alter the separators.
{"hour": 12, "minute": 56}
